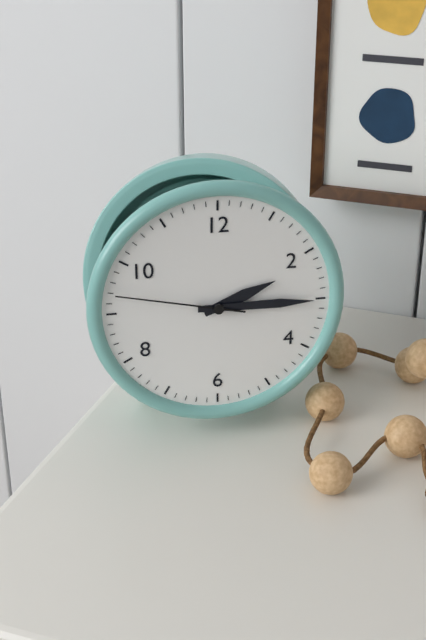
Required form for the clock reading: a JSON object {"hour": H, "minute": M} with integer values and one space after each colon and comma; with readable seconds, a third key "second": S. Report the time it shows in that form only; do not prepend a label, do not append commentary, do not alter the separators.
{"hour": 2, "minute": 15, "second": 47}
